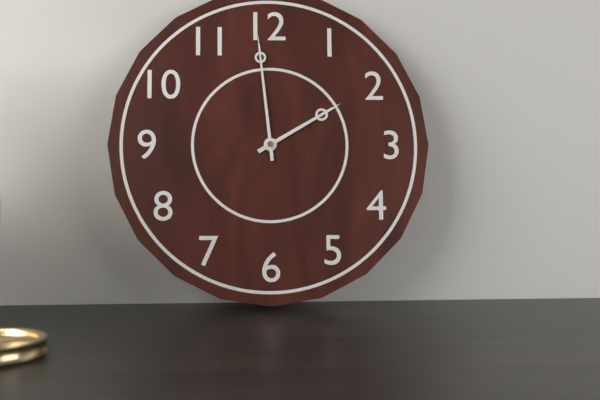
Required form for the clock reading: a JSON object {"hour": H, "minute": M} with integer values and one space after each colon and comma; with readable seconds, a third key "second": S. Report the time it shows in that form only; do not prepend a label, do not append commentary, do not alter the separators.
{"hour": 1, "minute": 59}
